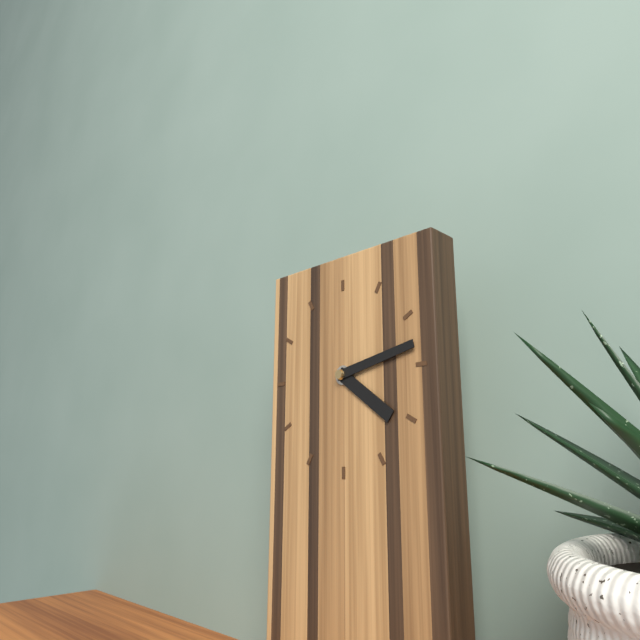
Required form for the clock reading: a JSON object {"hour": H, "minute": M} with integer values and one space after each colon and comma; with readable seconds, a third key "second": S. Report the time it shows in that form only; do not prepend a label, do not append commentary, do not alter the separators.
{"hour": 4, "minute": 13}
